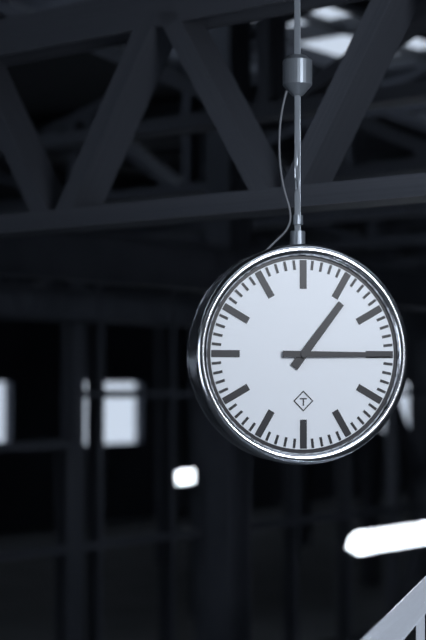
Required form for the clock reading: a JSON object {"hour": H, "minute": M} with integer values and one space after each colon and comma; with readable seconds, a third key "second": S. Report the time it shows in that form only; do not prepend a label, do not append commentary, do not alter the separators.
{"hour": 1, "minute": 15}
